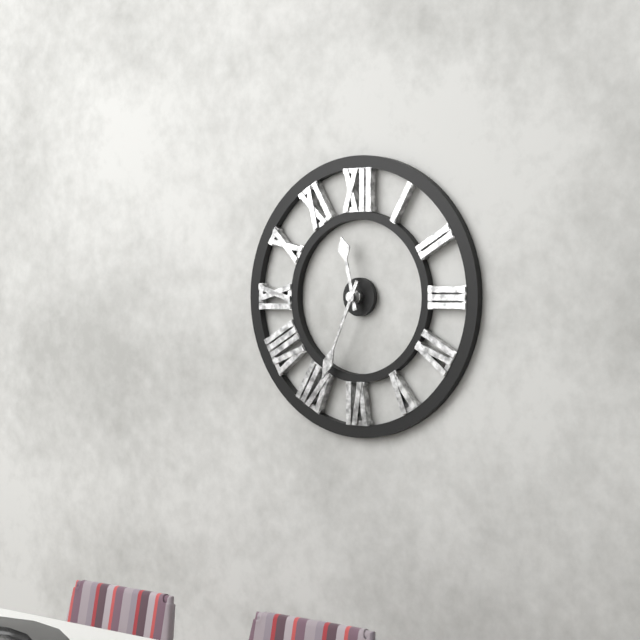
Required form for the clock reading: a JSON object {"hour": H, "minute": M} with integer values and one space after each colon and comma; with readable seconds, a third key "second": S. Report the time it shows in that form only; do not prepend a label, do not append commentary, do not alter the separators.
{"hour": 11, "minute": 34}
